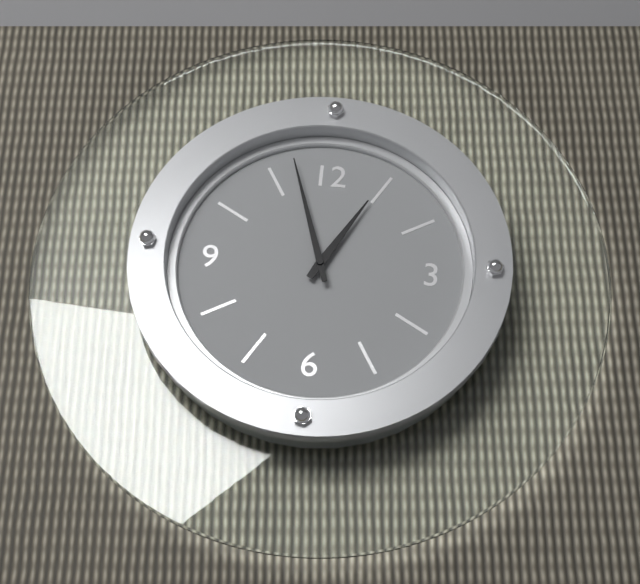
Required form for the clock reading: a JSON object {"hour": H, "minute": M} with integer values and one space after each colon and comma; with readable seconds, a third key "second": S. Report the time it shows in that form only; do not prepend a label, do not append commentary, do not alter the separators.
{"hour": 12, "minute": 57}
